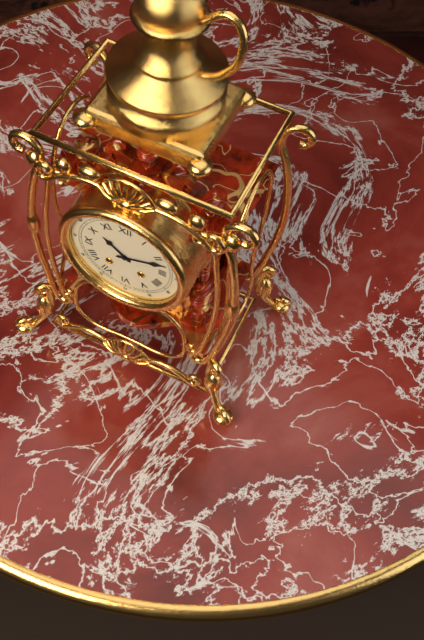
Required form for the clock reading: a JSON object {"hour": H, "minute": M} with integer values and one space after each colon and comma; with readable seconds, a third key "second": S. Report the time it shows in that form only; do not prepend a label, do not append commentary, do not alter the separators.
{"hour": 10, "minute": 12}
